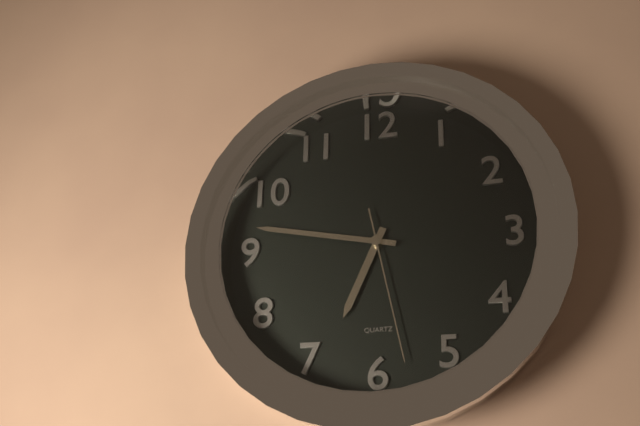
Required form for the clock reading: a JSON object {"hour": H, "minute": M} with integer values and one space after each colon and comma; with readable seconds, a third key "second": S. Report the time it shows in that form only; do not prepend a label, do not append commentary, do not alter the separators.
{"hour": 6, "minute": 47, "second": 28}
